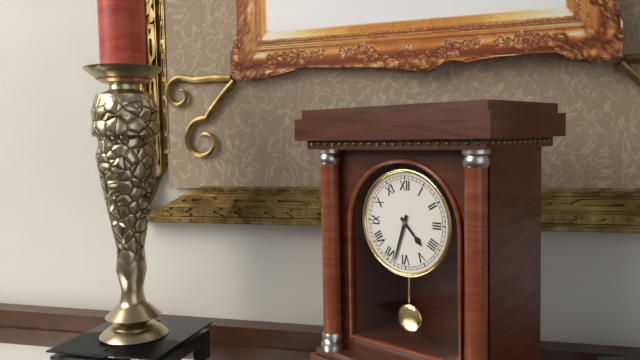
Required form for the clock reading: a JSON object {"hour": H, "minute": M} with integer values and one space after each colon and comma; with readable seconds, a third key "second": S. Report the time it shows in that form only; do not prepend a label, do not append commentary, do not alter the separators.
{"hour": 4, "minute": 33}
